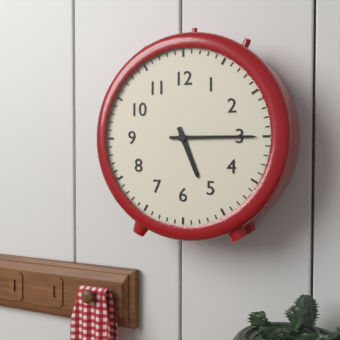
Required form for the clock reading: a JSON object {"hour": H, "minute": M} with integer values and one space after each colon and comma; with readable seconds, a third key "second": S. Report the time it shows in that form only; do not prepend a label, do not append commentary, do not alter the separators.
{"hour": 5, "minute": 15}
